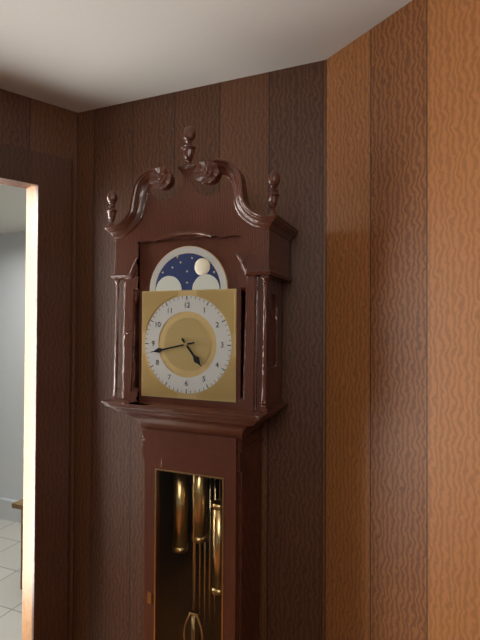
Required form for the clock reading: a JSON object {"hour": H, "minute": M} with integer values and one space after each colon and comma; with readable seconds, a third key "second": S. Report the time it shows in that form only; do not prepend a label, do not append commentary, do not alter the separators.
{"hour": 4, "minute": 43}
